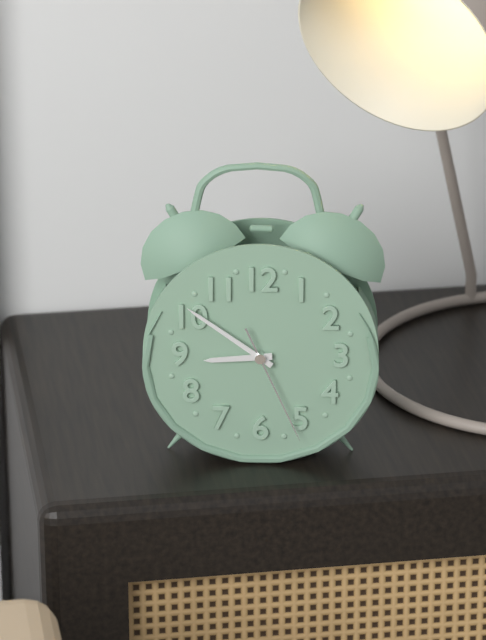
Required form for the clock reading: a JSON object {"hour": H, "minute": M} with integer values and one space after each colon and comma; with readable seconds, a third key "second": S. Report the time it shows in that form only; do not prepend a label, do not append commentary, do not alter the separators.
{"hour": 8, "minute": 51, "second": 26}
